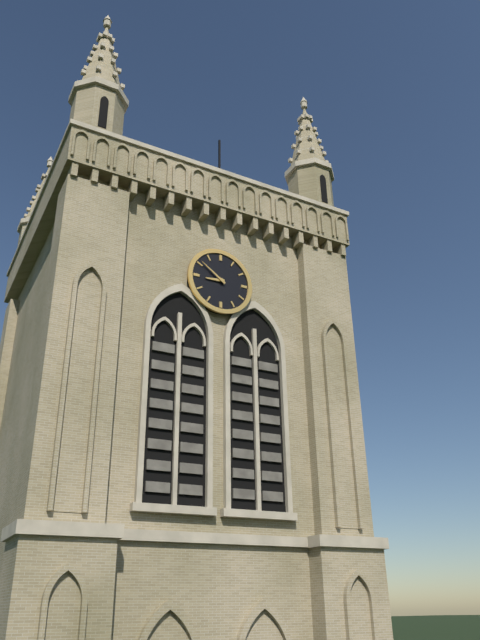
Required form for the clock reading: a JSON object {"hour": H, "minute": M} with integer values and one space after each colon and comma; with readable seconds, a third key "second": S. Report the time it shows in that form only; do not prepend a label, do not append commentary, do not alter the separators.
{"hour": 8, "minute": 51}
